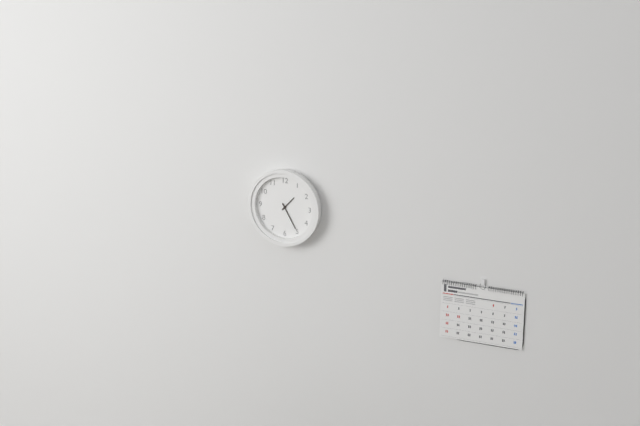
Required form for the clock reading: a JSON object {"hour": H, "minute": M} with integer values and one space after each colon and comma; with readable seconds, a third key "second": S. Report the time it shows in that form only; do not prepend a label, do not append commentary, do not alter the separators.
{"hour": 1, "minute": 25}
